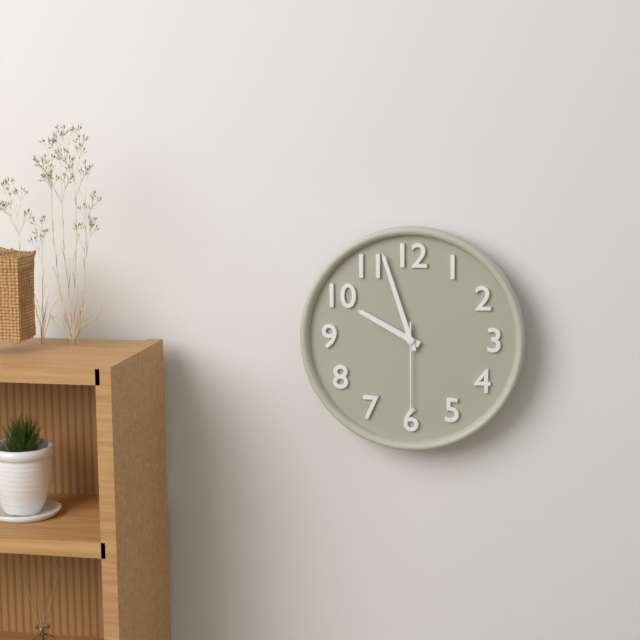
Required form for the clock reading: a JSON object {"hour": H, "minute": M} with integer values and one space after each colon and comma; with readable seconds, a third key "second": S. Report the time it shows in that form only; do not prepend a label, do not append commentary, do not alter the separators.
{"hour": 9, "minute": 57, "second": 30}
